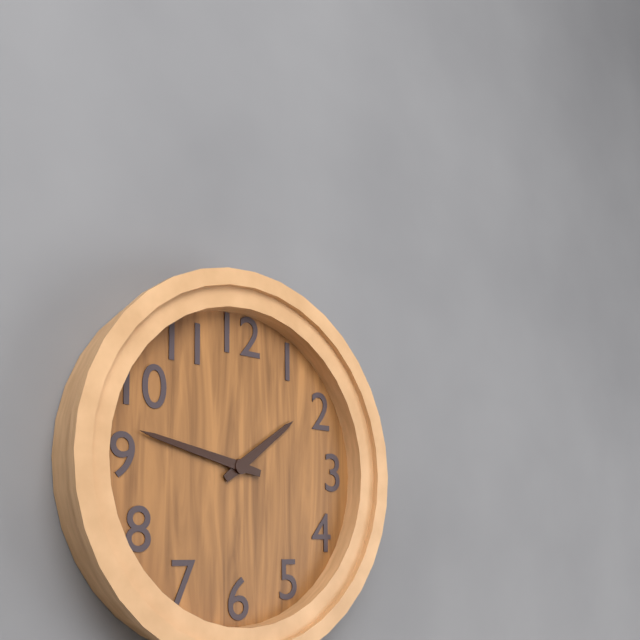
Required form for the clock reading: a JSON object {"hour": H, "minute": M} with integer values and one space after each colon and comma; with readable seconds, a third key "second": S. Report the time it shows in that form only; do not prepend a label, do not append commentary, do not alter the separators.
{"hour": 1, "minute": 47}
